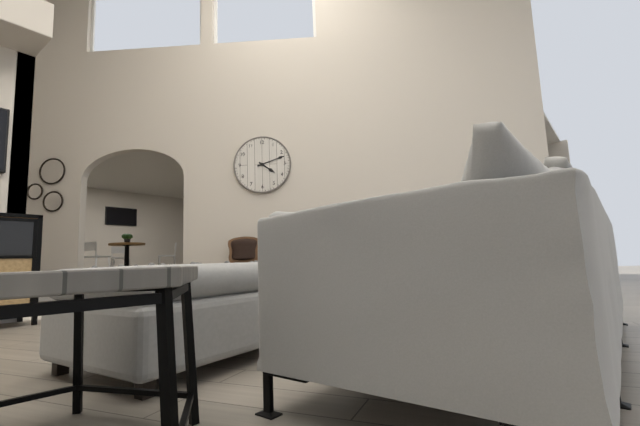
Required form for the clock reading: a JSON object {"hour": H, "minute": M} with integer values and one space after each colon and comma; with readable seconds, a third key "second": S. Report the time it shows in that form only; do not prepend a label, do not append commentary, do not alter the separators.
{"hour": 4, "minute": 12}
